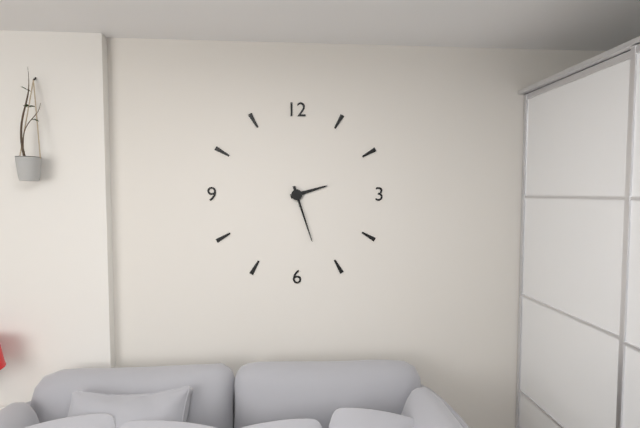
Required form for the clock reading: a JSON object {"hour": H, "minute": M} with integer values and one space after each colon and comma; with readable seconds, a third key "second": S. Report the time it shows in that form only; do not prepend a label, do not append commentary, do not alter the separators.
{"hour": 2, "minute": 27}
